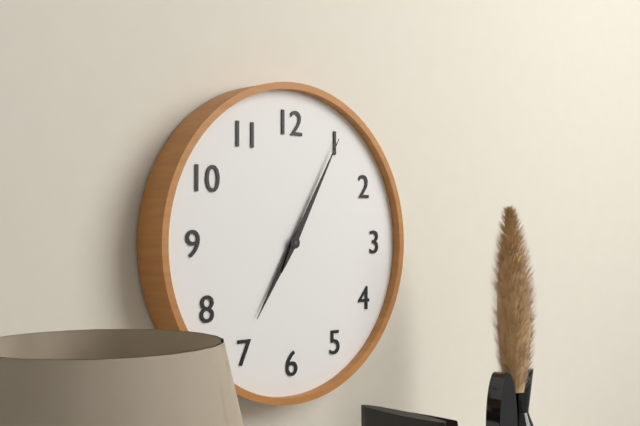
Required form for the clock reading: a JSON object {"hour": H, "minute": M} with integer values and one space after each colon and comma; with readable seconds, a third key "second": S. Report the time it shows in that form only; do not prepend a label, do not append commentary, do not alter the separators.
{"hour": 7, "minute": 5}
